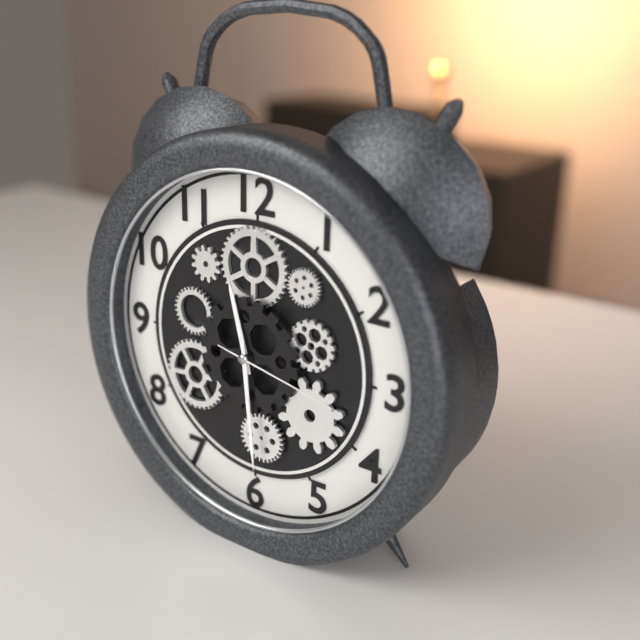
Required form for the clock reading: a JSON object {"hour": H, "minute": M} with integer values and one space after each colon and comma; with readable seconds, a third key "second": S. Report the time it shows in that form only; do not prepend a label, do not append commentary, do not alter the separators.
{"hour": 11, "minute": 29, "second": 17}
